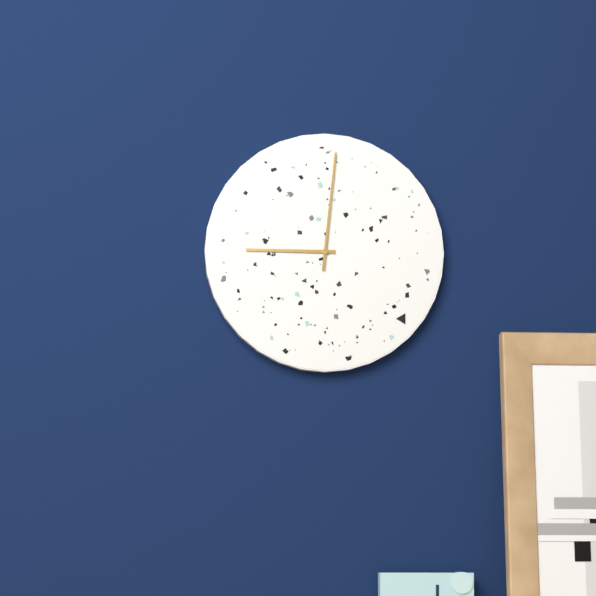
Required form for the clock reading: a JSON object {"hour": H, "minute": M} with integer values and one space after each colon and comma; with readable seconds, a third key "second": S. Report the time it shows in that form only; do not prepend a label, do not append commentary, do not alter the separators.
{"hour": 9, "minute": 1}
